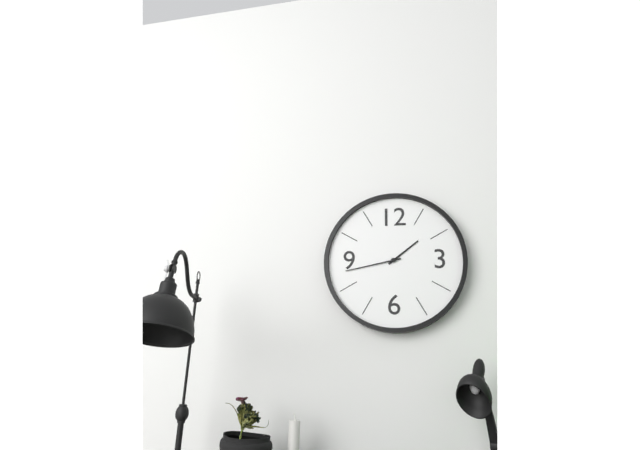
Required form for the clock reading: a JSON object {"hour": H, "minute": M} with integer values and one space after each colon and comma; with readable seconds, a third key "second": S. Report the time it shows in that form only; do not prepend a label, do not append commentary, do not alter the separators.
{"hour": 1, "minute": 43}
